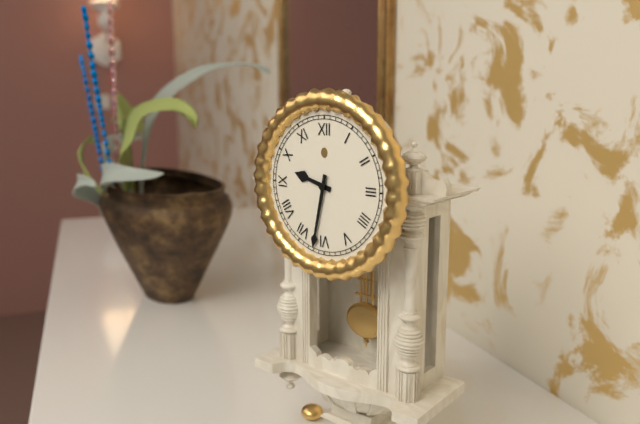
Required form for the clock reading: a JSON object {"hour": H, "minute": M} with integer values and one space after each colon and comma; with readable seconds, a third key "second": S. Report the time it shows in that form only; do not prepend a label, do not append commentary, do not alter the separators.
{"hour": 9, "minute": 32}
